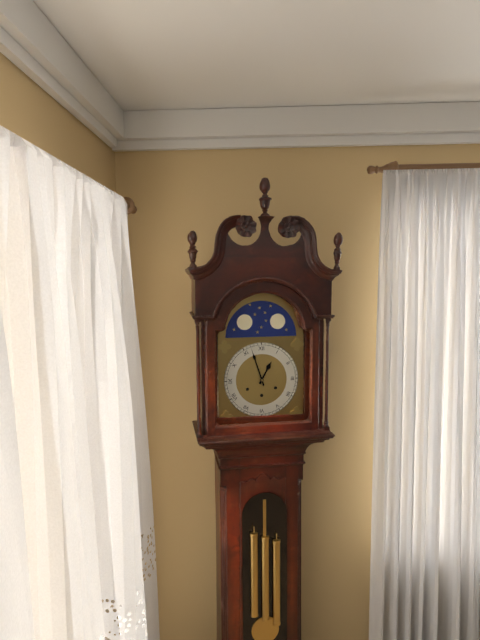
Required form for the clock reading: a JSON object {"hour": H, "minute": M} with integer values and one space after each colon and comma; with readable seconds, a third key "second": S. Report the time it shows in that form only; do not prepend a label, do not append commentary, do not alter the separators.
{"hour": 12, "minute": 57}
